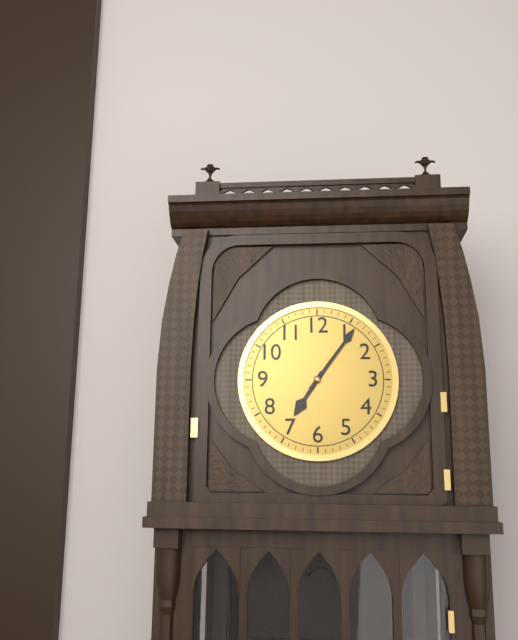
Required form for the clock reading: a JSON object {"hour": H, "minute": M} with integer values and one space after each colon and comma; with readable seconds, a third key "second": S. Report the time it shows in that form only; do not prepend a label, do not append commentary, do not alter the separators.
{"hour": 7, "minute": 6}
